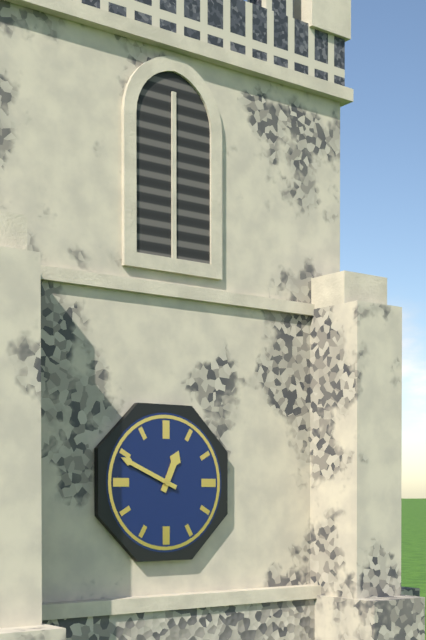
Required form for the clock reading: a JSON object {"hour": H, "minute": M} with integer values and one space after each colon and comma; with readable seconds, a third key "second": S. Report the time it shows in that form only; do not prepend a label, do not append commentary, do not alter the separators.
{"hour": 12, "minute": 49}
